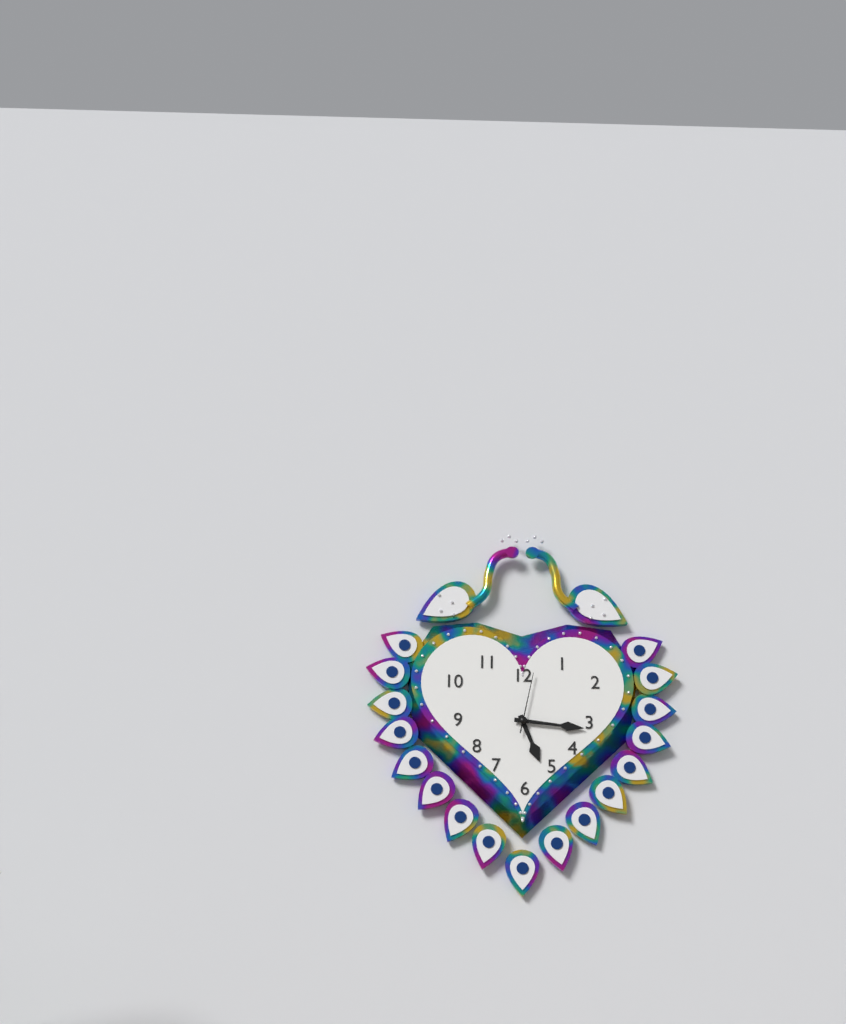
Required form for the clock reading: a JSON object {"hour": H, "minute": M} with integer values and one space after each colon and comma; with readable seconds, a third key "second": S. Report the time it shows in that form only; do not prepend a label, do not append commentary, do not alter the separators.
{"hour": 5, "minute": 16, "second": 2}
